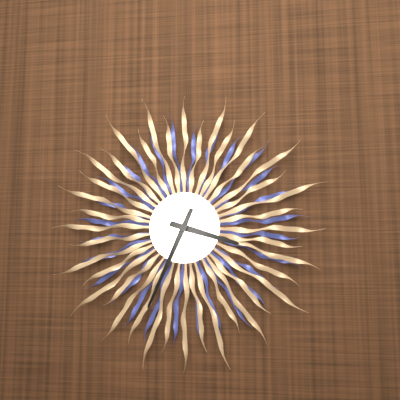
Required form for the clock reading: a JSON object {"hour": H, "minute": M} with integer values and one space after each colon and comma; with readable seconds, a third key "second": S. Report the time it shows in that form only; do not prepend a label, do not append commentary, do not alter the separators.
{"hour": 3, "minute": 34}
